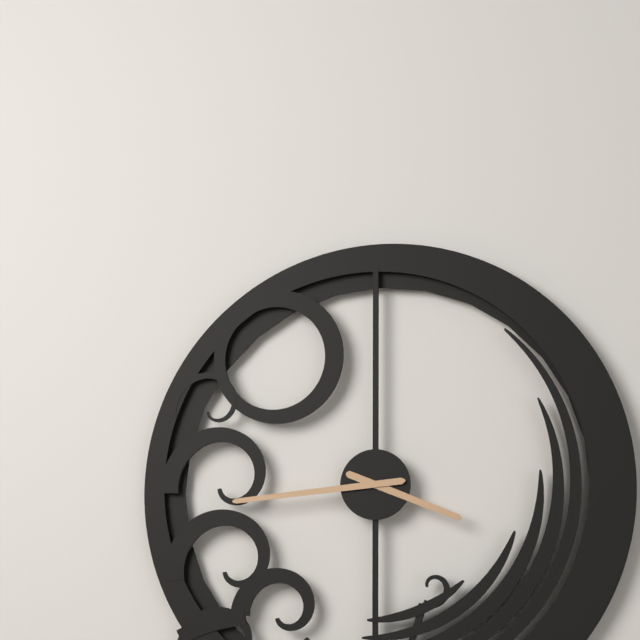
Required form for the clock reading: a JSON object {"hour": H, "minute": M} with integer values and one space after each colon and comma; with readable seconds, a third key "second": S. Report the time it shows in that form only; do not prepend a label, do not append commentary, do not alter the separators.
{"hour": 3, "minute": 44}
